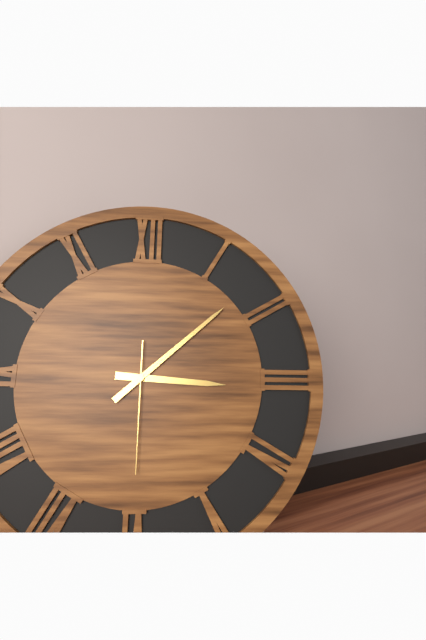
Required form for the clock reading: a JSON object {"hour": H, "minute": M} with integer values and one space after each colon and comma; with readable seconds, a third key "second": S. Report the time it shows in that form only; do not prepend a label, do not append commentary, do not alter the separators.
{"hour": 3, "minute": 8, "second": 30}
